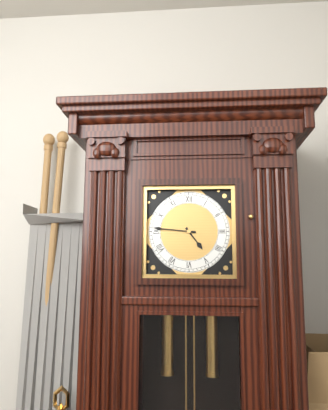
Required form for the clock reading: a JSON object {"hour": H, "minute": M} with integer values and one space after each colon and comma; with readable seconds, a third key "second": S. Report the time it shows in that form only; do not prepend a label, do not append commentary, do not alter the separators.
{"hour": 4, "minute": 46}
